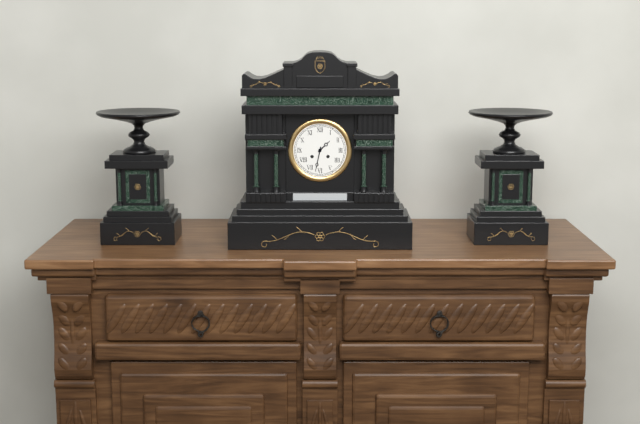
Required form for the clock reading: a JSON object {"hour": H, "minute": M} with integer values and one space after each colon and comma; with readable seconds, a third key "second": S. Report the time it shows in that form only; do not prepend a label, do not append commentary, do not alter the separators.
{"hour": 1, "minute": 32}
